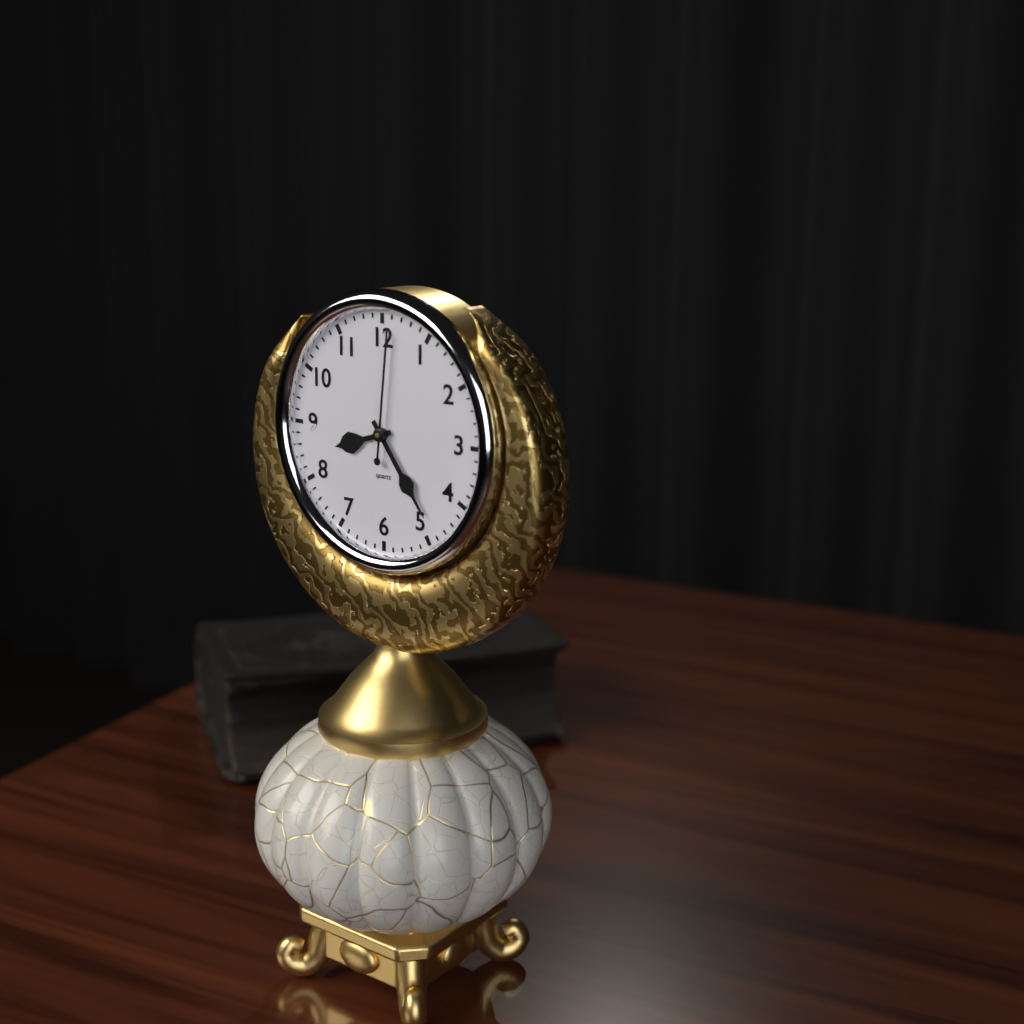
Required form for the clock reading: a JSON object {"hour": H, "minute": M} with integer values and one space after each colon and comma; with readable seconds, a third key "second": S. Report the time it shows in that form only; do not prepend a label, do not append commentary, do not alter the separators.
{"hour": 8, "minute": 24, "second": 1}
